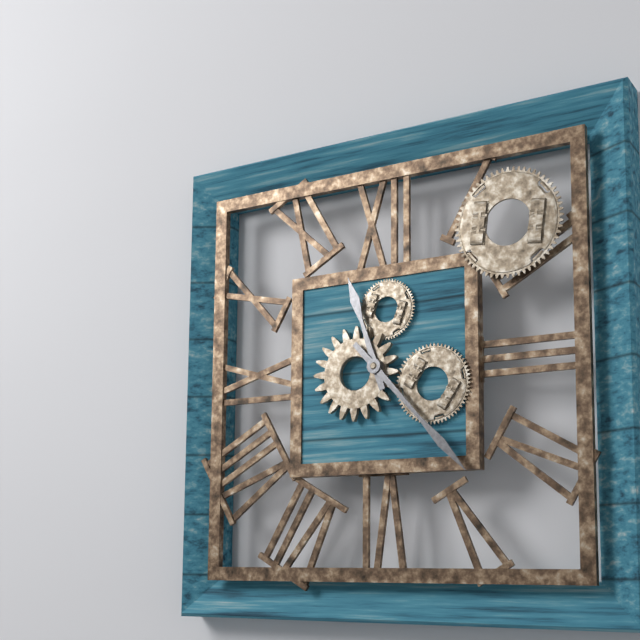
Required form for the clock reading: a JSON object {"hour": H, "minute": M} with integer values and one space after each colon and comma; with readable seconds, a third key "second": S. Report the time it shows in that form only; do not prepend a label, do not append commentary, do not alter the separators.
{"hour": 11, "minute": 23}
